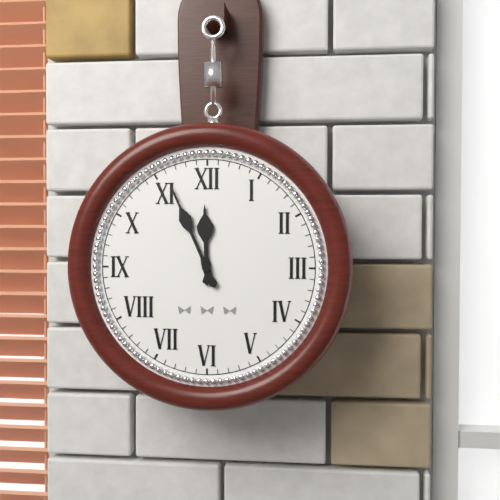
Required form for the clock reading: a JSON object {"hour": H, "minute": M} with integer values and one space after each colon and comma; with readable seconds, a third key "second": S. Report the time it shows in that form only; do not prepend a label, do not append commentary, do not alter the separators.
{"hour": 11, "minute": 56}
